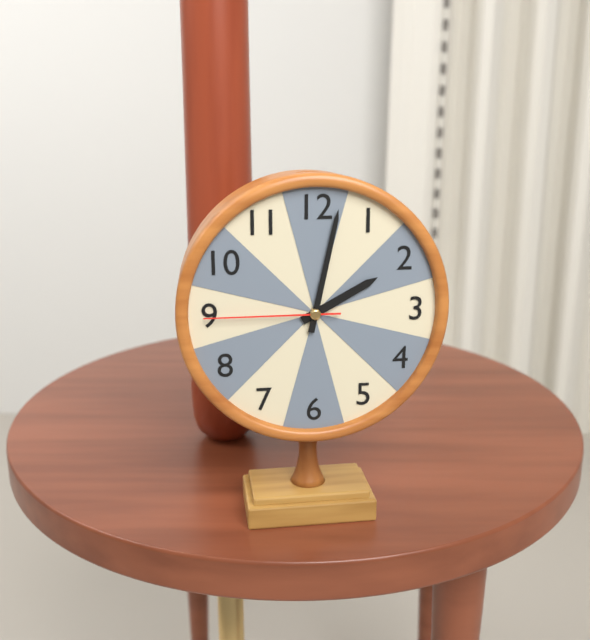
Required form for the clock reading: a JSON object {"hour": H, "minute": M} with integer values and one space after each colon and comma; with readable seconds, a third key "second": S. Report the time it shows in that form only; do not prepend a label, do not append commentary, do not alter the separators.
{"hour": 2, "minute": 2, "second": 45}
